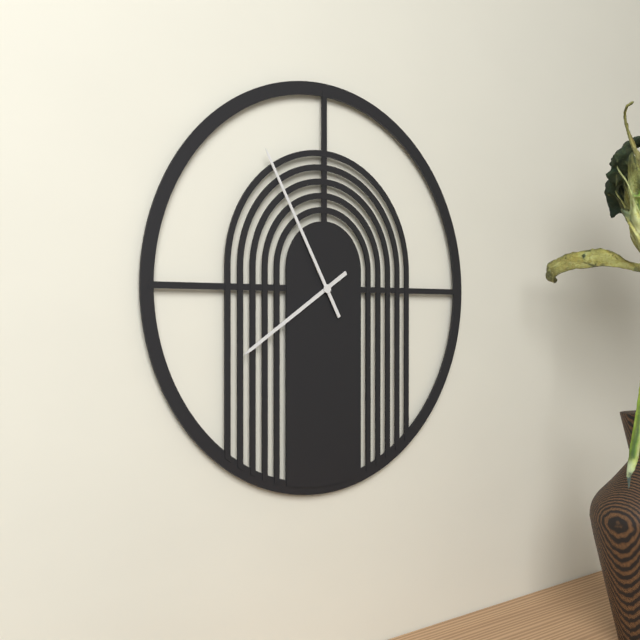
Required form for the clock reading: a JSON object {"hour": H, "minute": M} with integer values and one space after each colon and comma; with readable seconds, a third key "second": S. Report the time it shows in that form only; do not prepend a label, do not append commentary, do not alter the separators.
{"hour": 7, "minute": 55}
